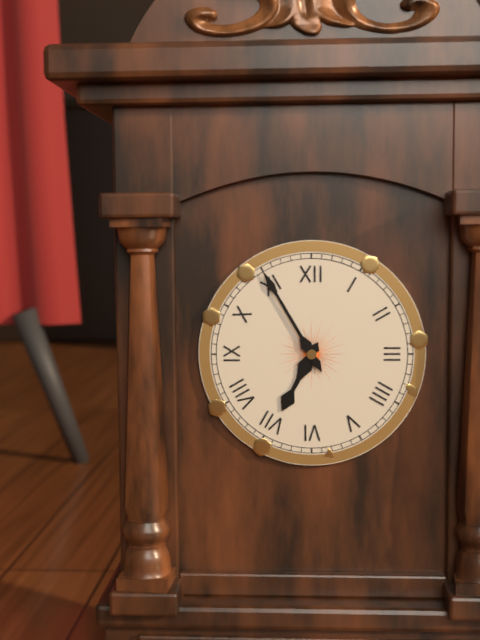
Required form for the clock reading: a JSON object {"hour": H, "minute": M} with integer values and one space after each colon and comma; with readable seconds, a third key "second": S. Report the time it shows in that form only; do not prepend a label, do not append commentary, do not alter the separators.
{"hour": 6, "minute": 55}
